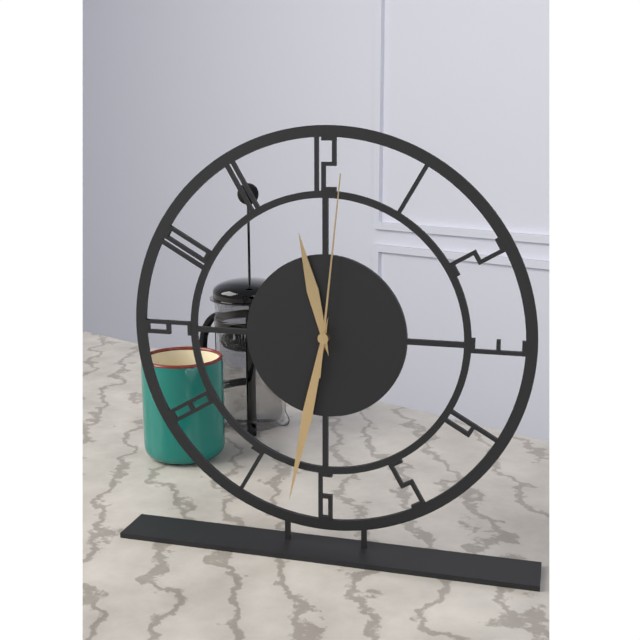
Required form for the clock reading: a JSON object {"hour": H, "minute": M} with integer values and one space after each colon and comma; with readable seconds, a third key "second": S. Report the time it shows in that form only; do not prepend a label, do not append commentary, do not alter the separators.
{"hour": 11, "minute": 32, "second": 1}
